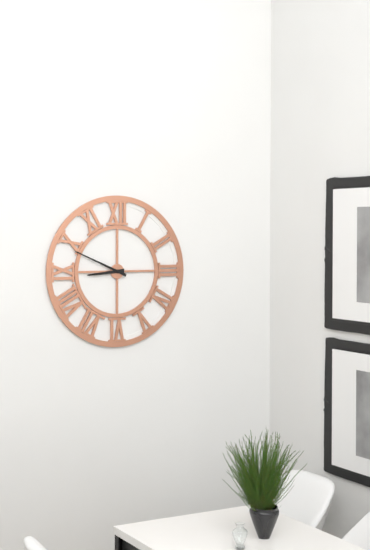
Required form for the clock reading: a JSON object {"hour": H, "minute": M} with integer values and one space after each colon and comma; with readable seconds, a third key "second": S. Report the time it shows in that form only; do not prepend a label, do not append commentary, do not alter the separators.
{"hour": 8, "minute": 49}
